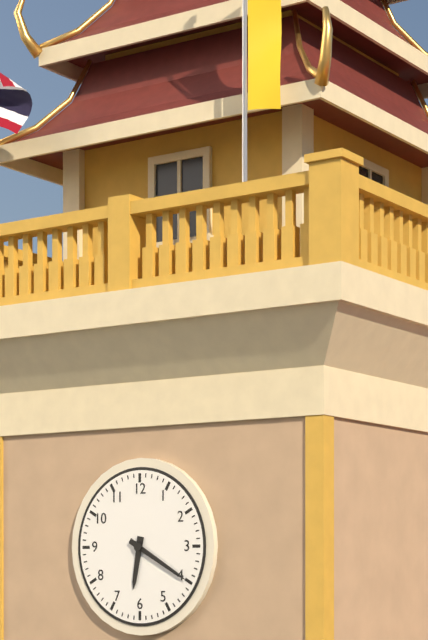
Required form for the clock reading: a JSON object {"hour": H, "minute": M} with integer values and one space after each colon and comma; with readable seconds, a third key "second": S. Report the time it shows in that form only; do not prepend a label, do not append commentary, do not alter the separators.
{"hour": 6, "minute": 20}
